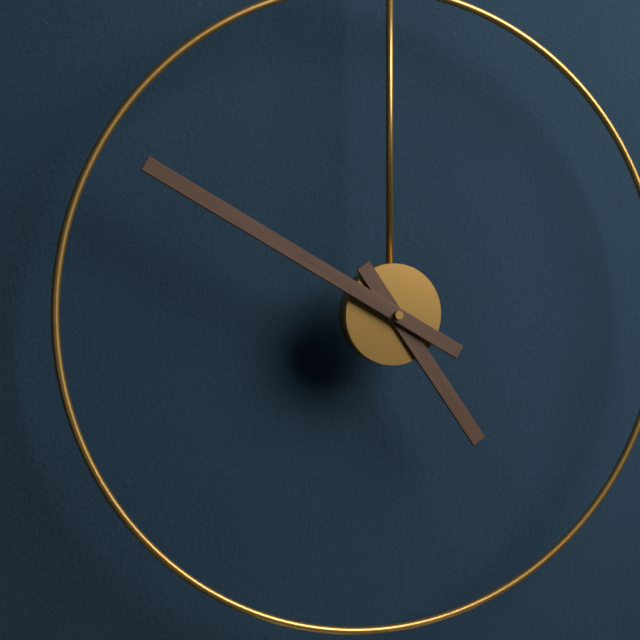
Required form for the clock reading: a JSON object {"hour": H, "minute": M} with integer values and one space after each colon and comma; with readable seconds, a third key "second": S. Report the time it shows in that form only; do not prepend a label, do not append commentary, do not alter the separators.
{"hour": 4, "minute": 50}
